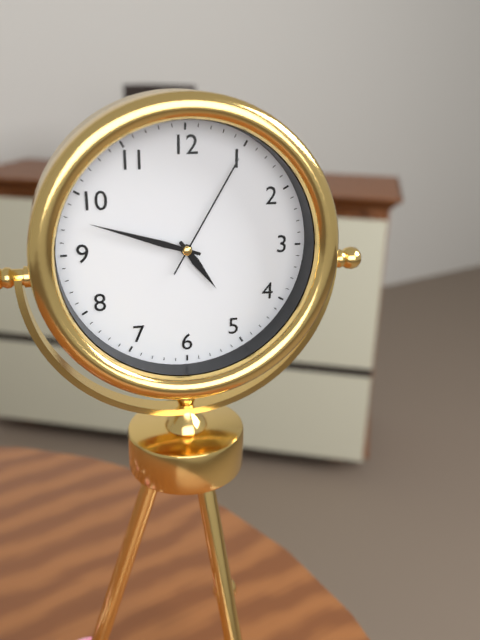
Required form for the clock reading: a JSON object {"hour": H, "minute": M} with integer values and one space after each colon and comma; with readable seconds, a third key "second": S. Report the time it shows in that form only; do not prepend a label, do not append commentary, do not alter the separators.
{"hour": 4, "minute": 48, "second": 5}
